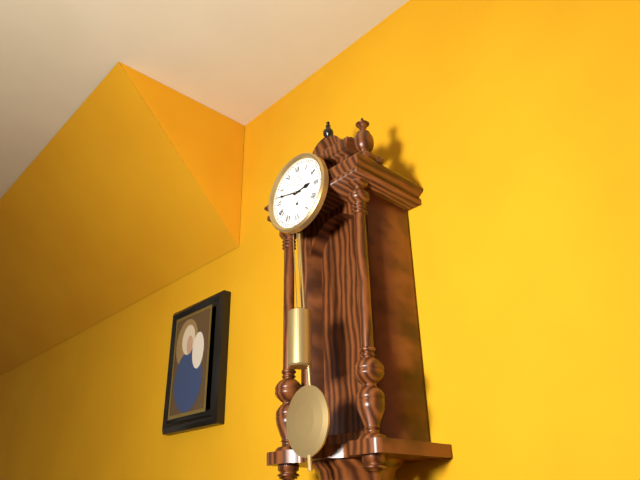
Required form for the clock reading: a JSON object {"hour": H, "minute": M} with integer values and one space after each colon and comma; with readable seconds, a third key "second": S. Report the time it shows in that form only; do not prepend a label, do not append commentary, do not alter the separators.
{"hour": 2, "minute": 47}
